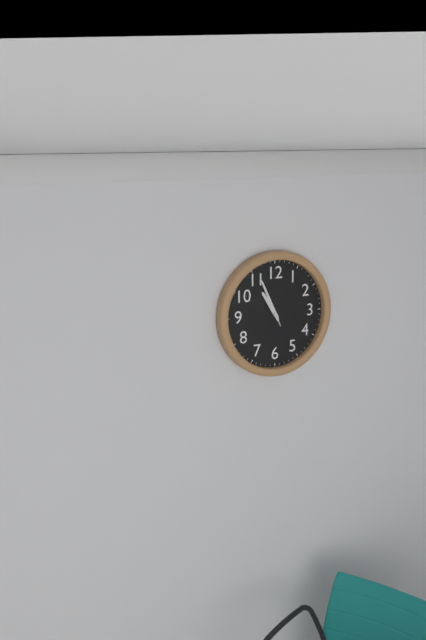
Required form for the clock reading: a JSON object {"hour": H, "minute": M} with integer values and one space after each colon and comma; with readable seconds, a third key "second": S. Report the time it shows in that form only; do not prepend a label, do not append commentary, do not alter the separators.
{"hour": 10, "minute": 56}
